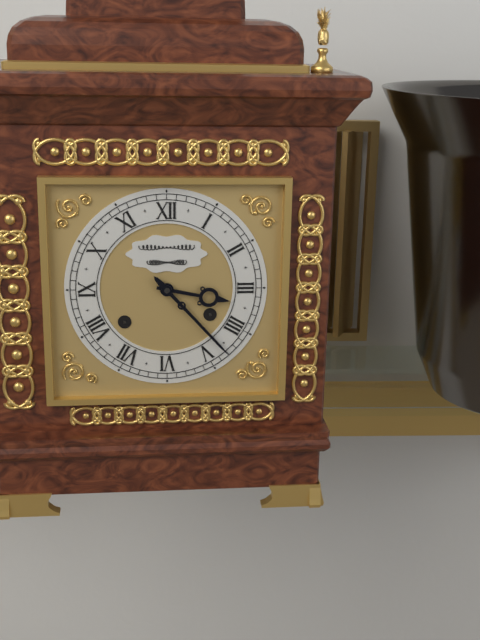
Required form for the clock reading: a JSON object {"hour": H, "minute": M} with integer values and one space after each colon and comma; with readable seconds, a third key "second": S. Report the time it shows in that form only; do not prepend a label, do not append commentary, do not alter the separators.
{"hour": 3, "minute": 23}
